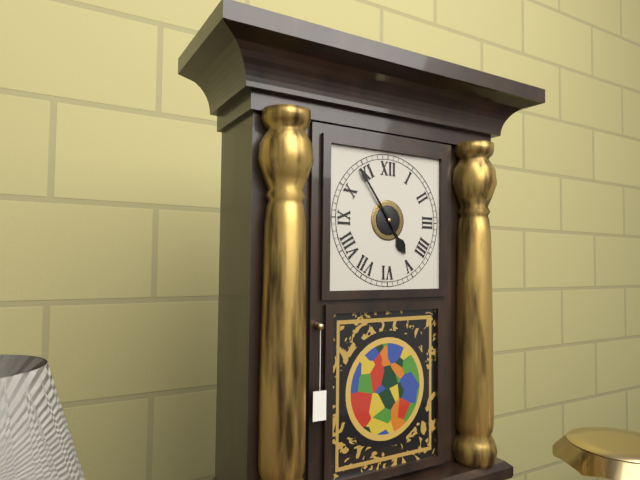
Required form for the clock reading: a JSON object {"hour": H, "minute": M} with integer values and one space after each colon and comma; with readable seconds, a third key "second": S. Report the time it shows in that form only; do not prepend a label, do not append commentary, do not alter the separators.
{"hour": 4, "minute": 54}
